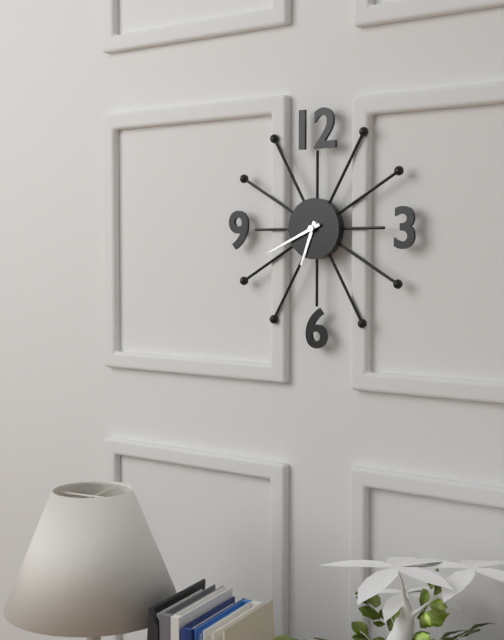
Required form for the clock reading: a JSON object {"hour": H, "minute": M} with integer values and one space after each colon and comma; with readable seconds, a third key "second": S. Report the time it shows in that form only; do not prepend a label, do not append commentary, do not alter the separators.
{"hour": 6, "minute": 41}
